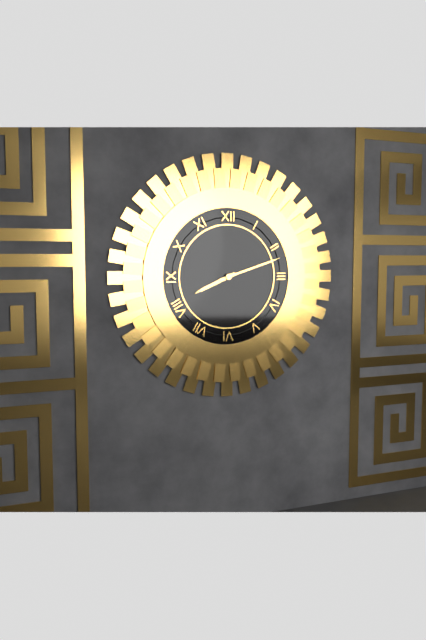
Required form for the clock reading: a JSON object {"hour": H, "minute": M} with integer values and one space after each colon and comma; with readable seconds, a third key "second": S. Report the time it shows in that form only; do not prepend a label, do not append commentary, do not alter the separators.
{"hour": 8, "minute": 12}
